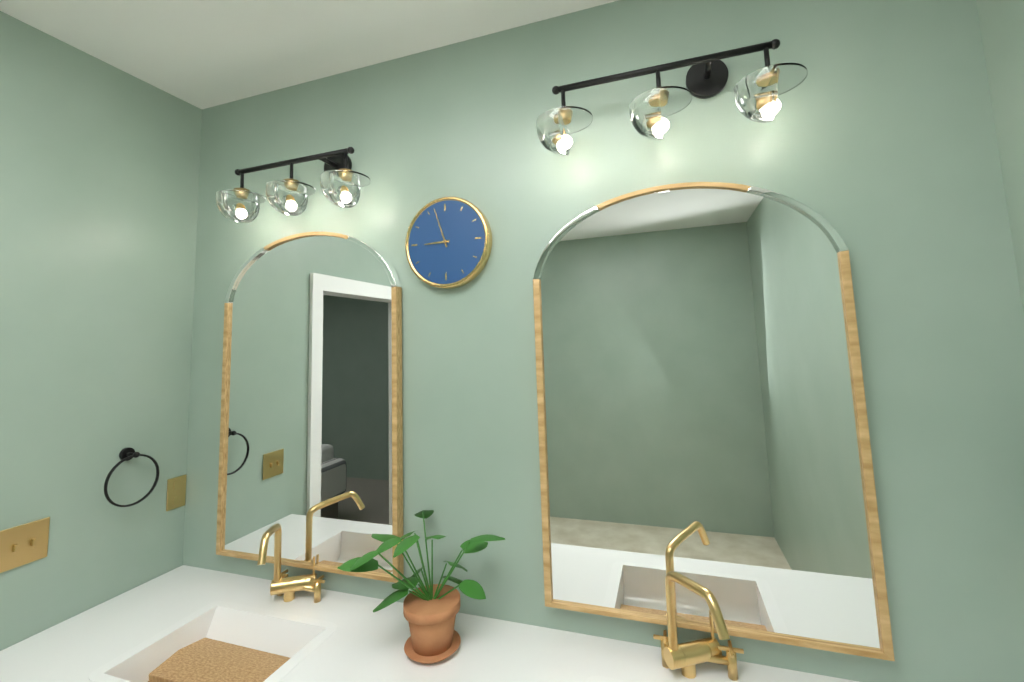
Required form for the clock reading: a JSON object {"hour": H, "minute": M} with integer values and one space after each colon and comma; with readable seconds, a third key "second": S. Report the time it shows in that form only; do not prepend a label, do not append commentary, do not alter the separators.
{"hour": 8, "minute": 57}
